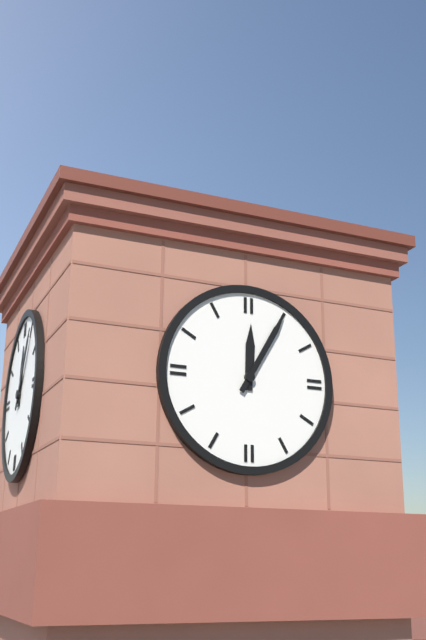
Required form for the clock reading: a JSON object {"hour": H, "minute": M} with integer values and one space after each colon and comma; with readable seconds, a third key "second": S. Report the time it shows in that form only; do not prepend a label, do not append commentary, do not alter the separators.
{"hour": 12, "minute": 5}
